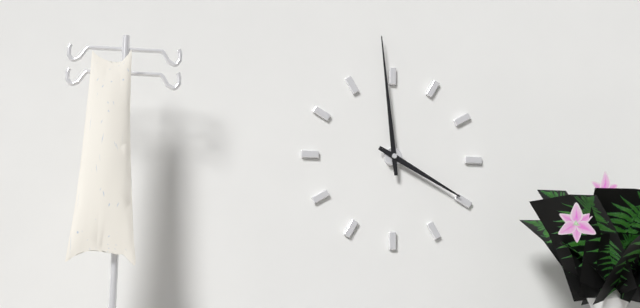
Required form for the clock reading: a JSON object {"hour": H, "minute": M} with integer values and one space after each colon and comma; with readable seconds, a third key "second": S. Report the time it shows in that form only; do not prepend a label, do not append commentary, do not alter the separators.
{"hour": 3, "minute": 59}
